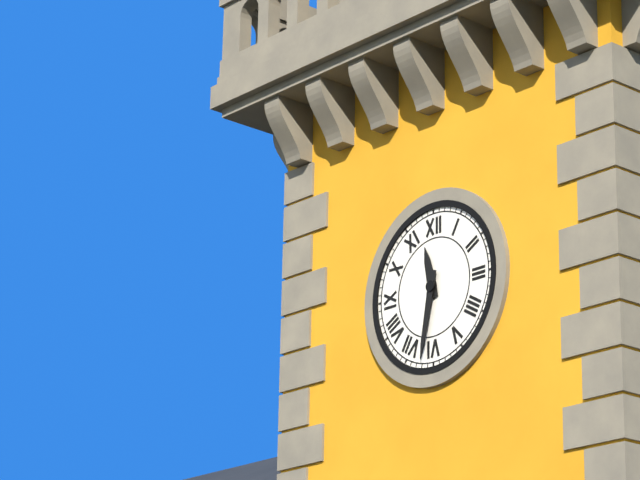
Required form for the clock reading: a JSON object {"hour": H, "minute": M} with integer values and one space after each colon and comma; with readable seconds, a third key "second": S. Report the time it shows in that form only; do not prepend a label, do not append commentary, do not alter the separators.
{"hour": 11, "minute": 32}
